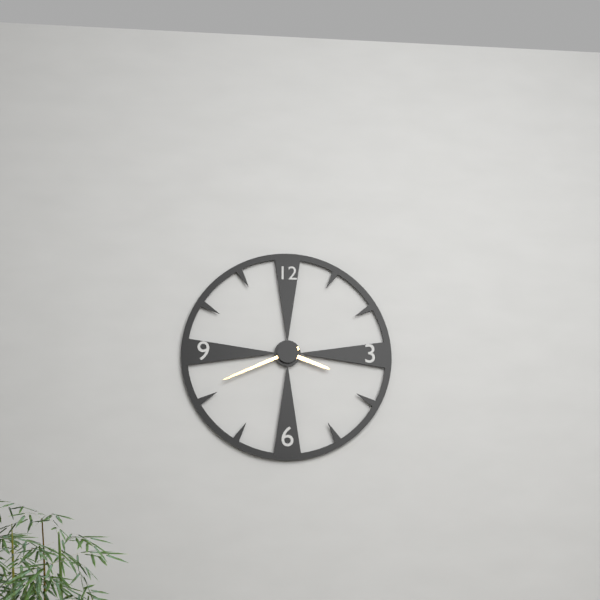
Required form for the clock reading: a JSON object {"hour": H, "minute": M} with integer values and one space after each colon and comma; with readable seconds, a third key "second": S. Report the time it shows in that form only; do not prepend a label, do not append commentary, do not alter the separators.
{"hour": 3, "minute": 41}
